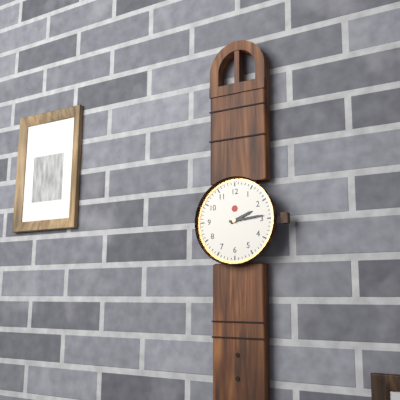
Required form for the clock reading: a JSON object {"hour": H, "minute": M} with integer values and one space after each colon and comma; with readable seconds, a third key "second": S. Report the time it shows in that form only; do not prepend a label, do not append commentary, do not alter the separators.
{"hour": 2, "minute": 14}
